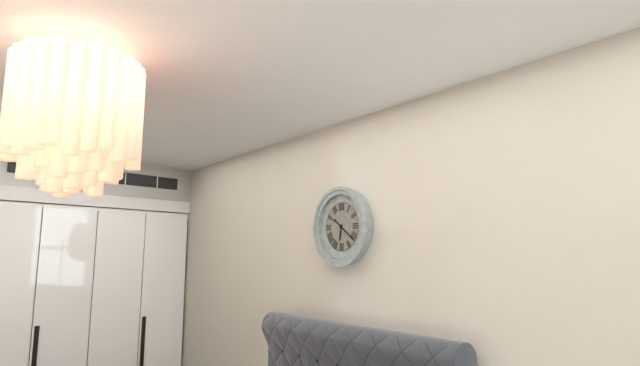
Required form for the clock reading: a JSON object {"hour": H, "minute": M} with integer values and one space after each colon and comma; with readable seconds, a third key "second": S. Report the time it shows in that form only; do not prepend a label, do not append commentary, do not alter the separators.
{"hour": 6, "minute": 21}
